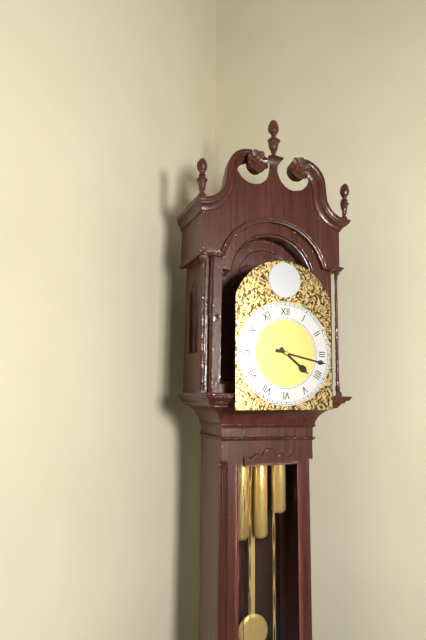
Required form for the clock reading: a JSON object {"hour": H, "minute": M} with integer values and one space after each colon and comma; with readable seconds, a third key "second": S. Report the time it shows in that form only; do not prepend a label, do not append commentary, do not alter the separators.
{"hour": 4, "minute": 17}
